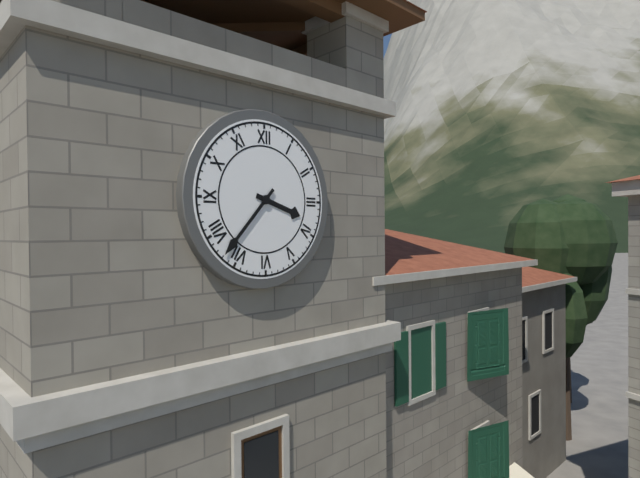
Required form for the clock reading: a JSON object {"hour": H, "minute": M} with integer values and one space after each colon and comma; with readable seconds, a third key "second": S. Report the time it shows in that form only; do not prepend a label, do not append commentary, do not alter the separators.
{"hour": 3, "minute": 37}
